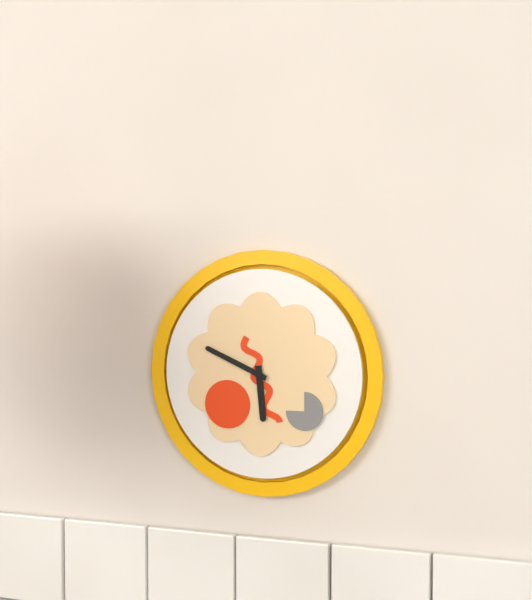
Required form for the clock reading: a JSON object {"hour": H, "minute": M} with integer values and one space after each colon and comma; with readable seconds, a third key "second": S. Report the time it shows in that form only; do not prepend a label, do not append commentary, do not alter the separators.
{"hour": 5, "minute": 49}
